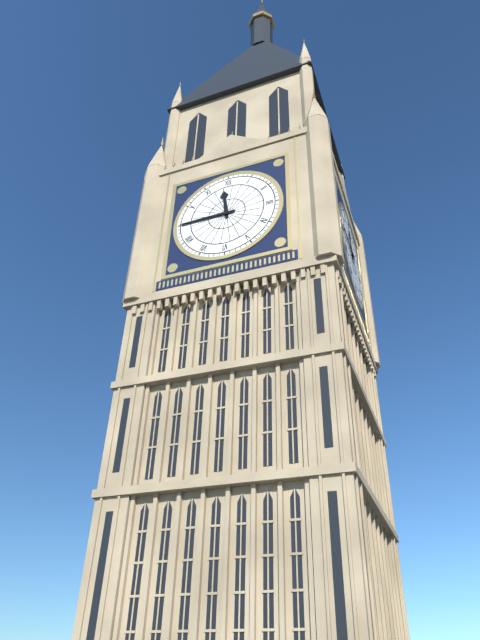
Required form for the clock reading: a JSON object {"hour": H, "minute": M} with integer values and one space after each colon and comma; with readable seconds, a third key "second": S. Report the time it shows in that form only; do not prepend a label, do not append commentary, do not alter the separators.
{"hour": 11, "minute": 45}
